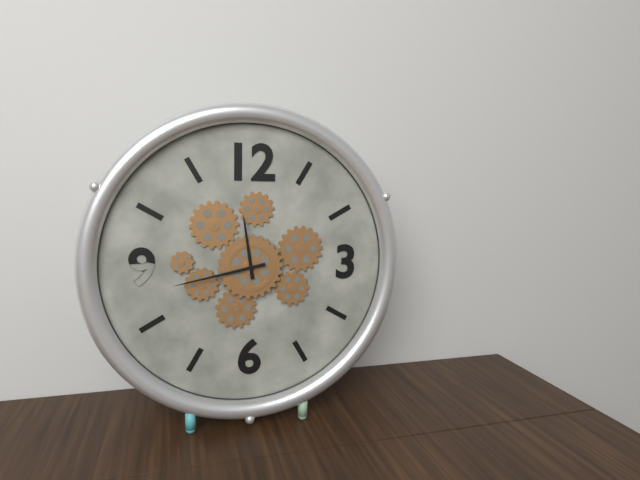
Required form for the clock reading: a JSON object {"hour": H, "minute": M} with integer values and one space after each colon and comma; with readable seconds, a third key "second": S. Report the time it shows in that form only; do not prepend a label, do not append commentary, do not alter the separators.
{"hour": 11, "minute": 43}
